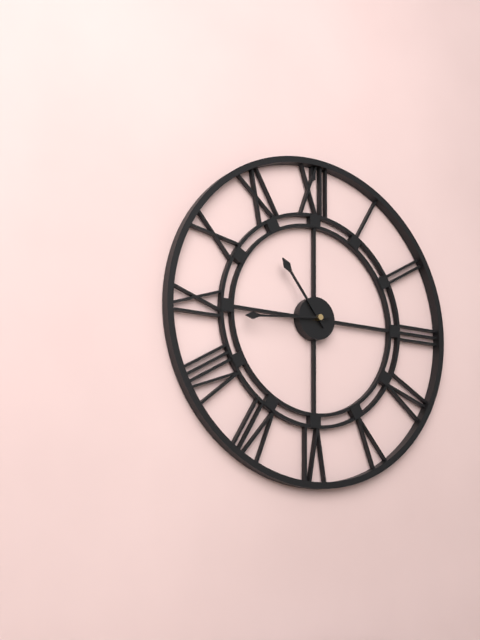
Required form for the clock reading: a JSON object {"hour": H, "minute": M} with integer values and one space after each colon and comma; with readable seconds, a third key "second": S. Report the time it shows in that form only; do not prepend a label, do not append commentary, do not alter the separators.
{"hour": 10, "minute": 44}
